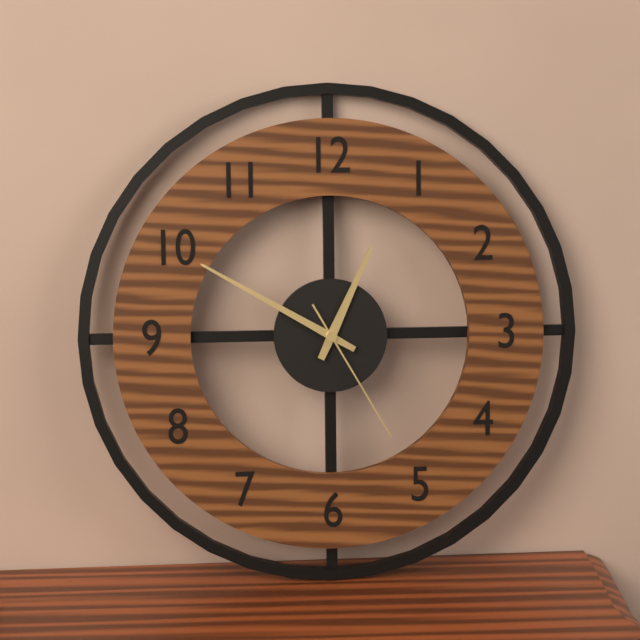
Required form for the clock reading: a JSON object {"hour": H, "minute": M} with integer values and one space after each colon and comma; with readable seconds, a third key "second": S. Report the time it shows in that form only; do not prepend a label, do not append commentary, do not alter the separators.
{"hour": 12, "minute": 50, "second": 25}
